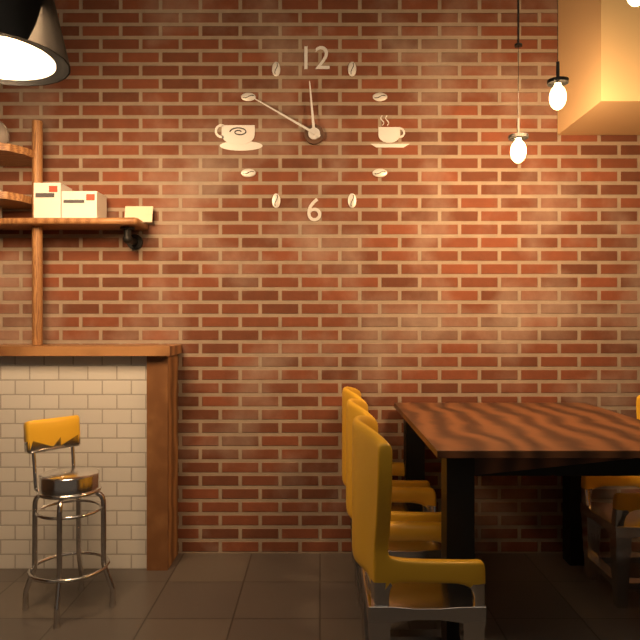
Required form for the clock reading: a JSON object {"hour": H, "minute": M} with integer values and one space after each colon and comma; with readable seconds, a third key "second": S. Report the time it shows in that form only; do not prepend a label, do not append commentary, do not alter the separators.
{"hour": 11, "minute": 50}
